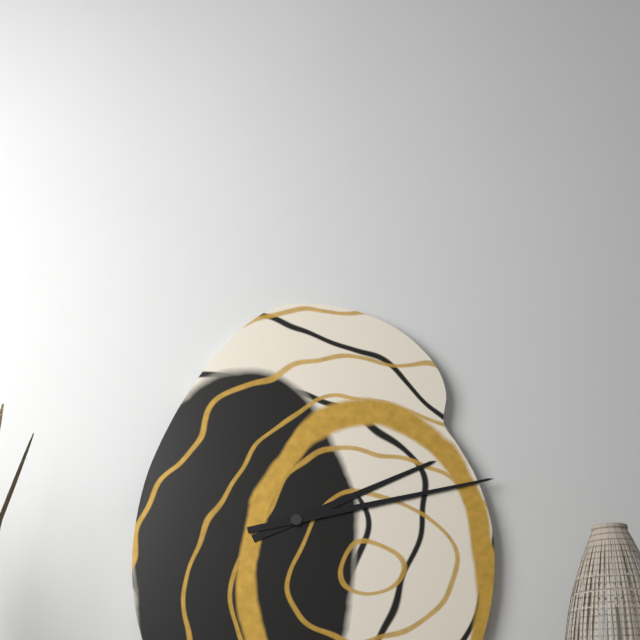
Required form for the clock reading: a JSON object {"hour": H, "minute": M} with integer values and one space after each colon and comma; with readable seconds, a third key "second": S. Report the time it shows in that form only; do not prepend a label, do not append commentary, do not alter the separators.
{"hour": 2, "minute": 13}
